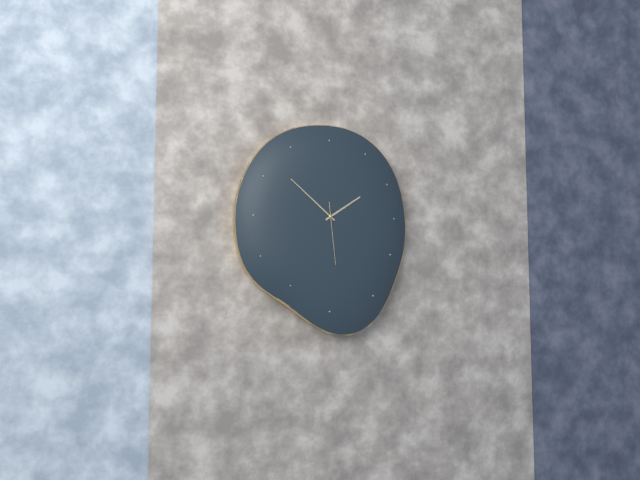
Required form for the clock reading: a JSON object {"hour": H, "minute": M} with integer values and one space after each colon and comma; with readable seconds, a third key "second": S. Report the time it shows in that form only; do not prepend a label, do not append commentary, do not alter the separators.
{"hour": 1, "minute": 52, "second": 29}
